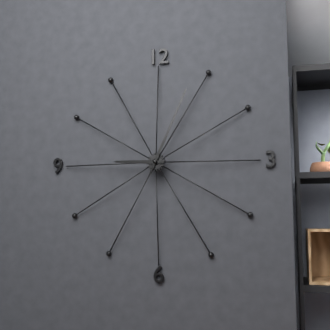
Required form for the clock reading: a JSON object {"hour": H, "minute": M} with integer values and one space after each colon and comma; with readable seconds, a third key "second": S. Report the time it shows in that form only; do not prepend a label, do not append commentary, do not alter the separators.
{"hour": 9, "minute": 4}
